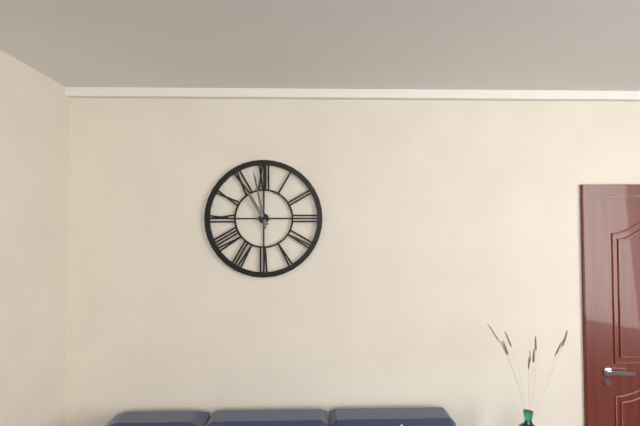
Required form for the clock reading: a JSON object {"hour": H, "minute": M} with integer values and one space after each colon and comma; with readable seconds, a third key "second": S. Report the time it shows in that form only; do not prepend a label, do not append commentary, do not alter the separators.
{"hour": 10, "minute": 58}
